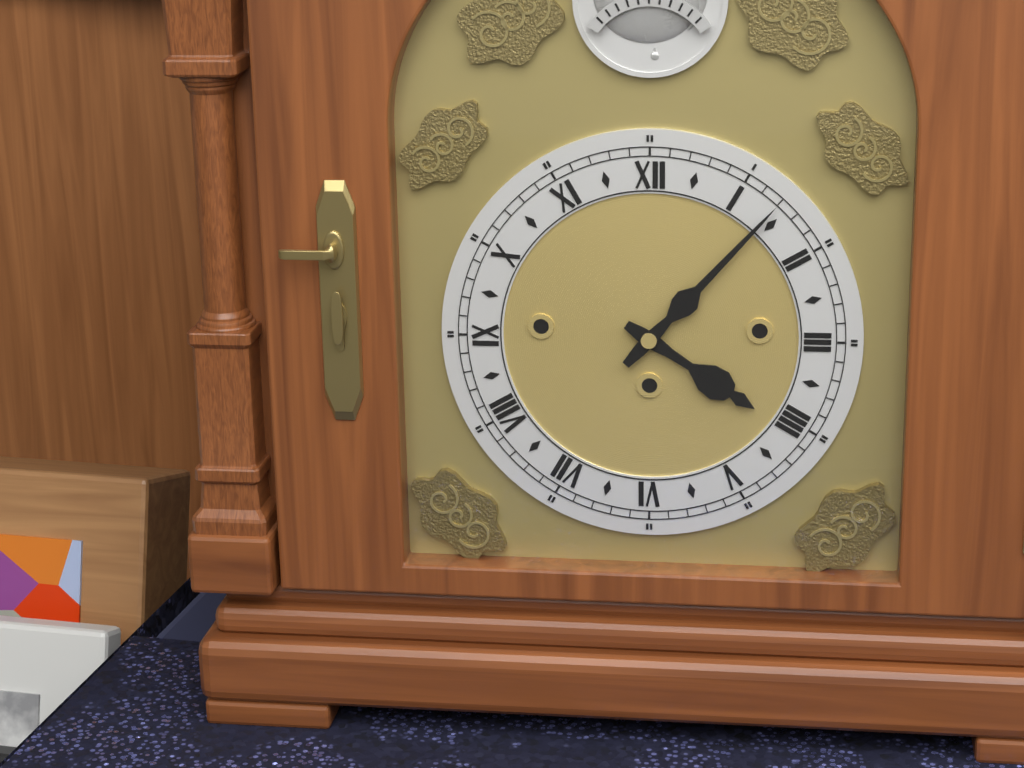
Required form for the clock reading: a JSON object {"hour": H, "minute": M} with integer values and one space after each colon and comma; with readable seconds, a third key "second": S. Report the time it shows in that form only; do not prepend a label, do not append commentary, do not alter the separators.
{"hour": 4, "minute": 7}
